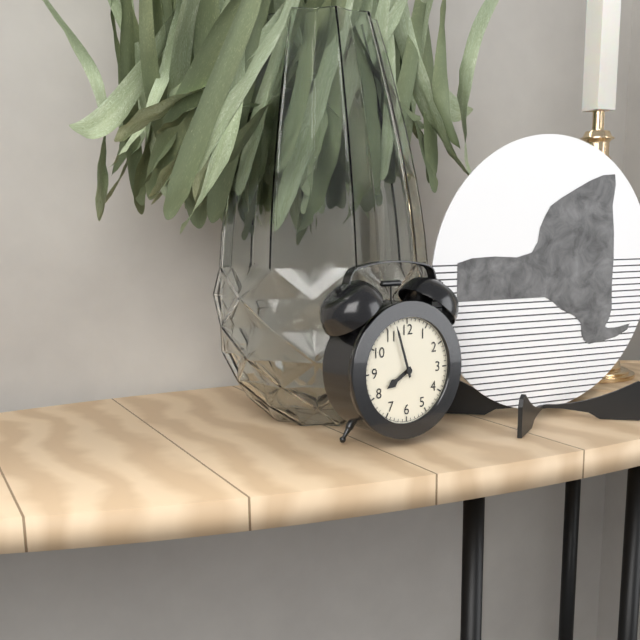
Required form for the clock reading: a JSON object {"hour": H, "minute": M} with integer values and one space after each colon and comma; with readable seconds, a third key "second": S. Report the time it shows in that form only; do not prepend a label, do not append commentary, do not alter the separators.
{"hour": 7, "minute": 57}
